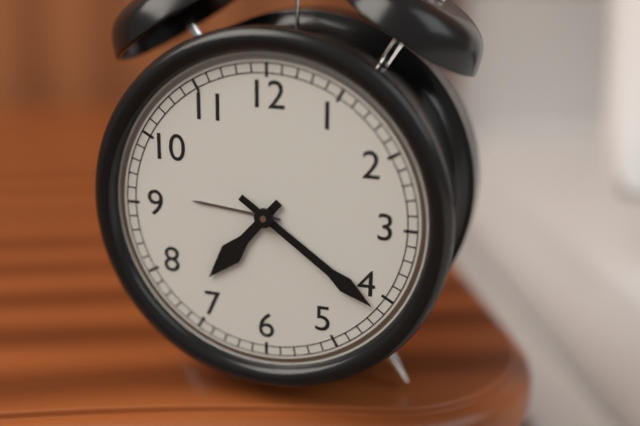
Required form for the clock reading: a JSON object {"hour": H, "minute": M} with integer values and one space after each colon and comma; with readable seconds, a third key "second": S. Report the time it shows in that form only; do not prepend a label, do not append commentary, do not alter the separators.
{"hour": 7, "minute": 21}
